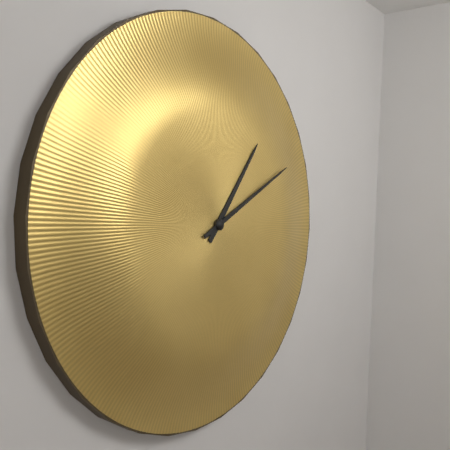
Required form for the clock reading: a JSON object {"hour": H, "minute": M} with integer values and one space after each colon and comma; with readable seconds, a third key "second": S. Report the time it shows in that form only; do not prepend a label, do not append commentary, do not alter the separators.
{"hour": 1, "minute": 10}
